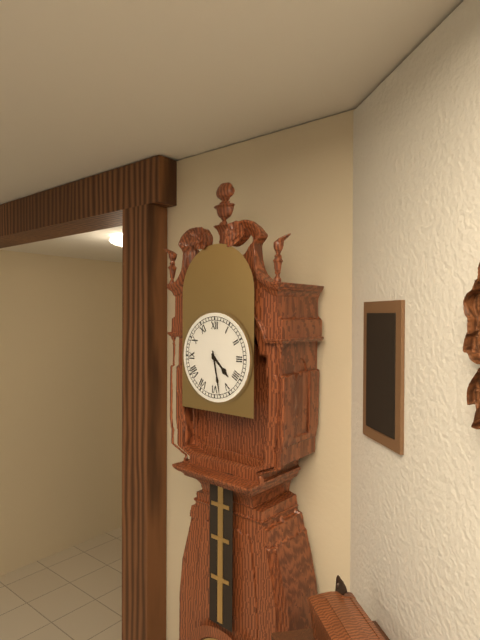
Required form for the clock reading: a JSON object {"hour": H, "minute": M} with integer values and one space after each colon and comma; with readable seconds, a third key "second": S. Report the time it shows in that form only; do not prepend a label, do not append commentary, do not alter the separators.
{"hour": 4, "minute": 28}
